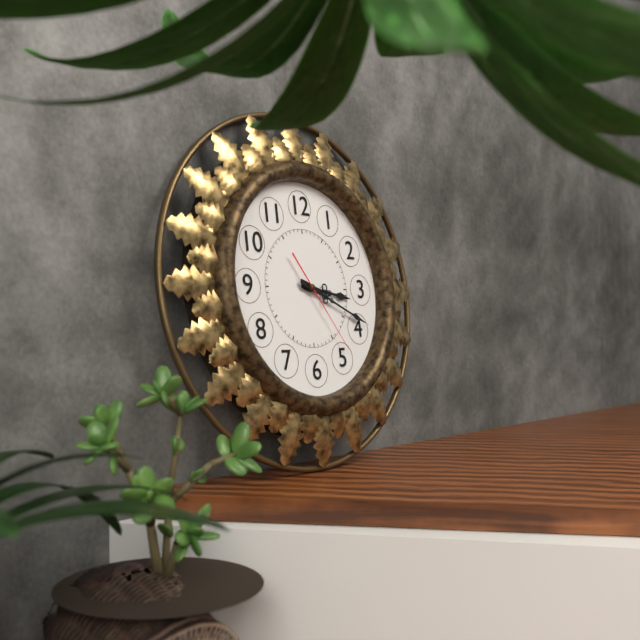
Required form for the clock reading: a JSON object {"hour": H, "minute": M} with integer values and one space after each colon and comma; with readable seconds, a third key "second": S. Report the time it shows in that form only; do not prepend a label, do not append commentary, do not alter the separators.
{"hour": 3, "minute": 19, "second": 24}
